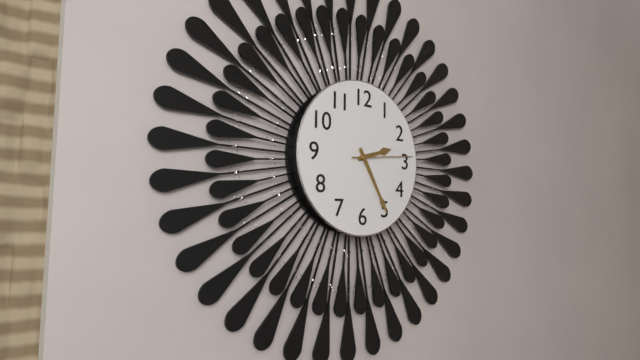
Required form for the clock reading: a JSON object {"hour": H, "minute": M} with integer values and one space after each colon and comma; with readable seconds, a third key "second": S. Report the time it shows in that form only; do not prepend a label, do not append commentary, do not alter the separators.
{"hour": 2, "minute": 25, "second": 14}
